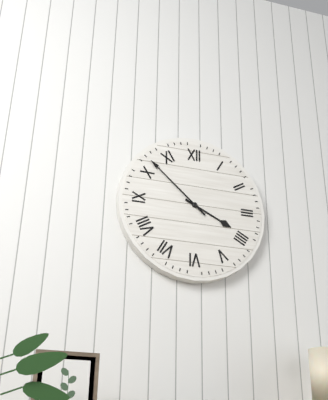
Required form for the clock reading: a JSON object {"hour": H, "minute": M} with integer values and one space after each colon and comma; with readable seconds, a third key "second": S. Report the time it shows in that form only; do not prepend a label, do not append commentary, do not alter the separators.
{"hour": 3, "minute": 52}
